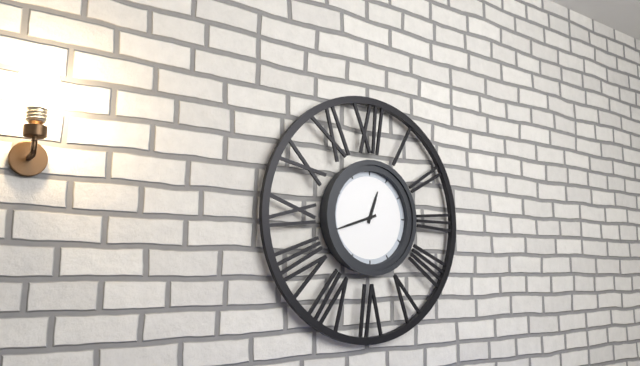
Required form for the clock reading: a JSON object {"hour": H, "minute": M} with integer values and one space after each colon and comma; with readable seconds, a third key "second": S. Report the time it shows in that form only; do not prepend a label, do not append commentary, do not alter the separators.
{"hour": 12, "minute": 42}
